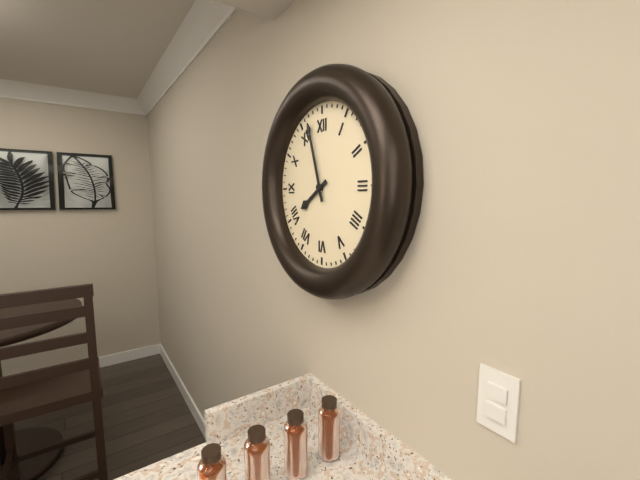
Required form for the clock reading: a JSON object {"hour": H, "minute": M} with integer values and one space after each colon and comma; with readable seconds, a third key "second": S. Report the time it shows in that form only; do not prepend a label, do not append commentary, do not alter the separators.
{"hour": 7, "minute": 57}
